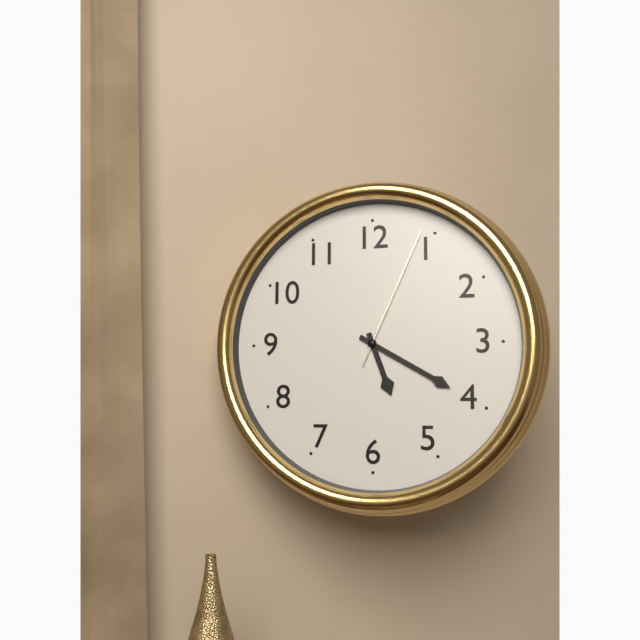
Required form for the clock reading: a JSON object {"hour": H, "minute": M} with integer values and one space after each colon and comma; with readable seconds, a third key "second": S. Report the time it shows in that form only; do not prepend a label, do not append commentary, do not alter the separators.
{"hour": 5, "minute": 20, "second": 4}
